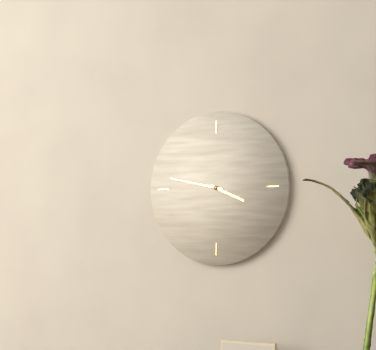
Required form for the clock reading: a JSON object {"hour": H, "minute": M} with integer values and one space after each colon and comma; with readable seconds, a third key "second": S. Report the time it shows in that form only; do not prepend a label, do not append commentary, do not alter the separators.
{"hour": 3, "minute": 47}
